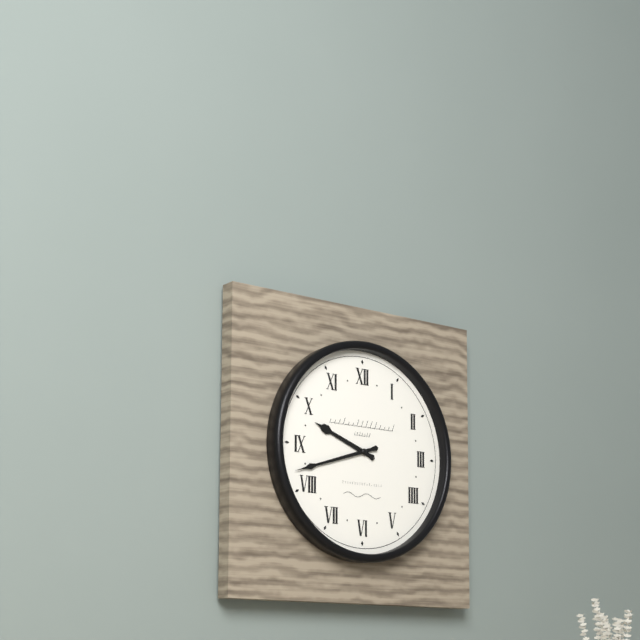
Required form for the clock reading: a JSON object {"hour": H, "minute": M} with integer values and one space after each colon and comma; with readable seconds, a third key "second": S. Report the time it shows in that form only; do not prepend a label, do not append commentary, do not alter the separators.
{"hour": 9, "minute": 42}
